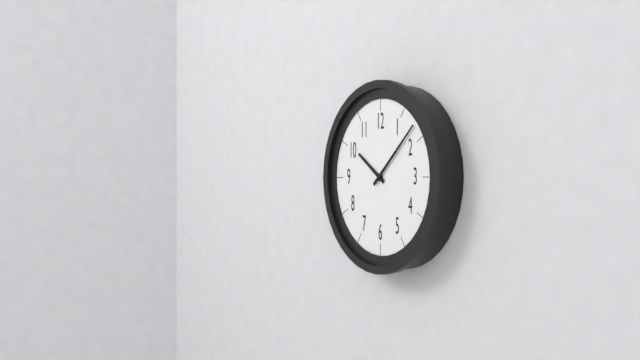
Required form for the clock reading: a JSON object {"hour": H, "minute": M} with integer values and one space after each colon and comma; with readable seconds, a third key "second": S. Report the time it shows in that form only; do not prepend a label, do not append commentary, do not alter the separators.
{"hour": 10, "minute": 8}
